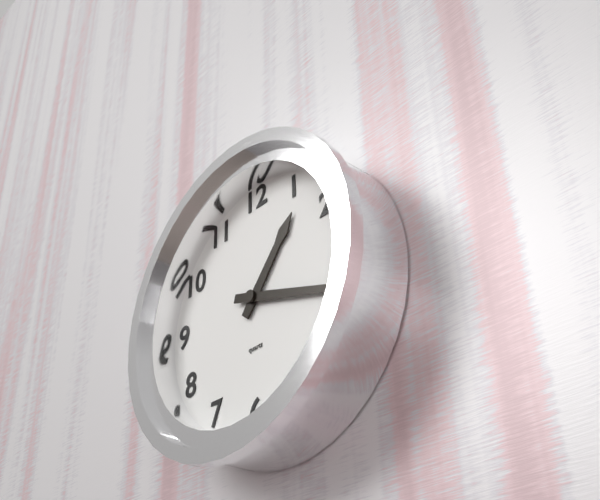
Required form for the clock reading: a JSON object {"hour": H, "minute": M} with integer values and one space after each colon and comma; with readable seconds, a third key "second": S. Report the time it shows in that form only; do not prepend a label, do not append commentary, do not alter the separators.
{"hour": 1, "minute": 18}
